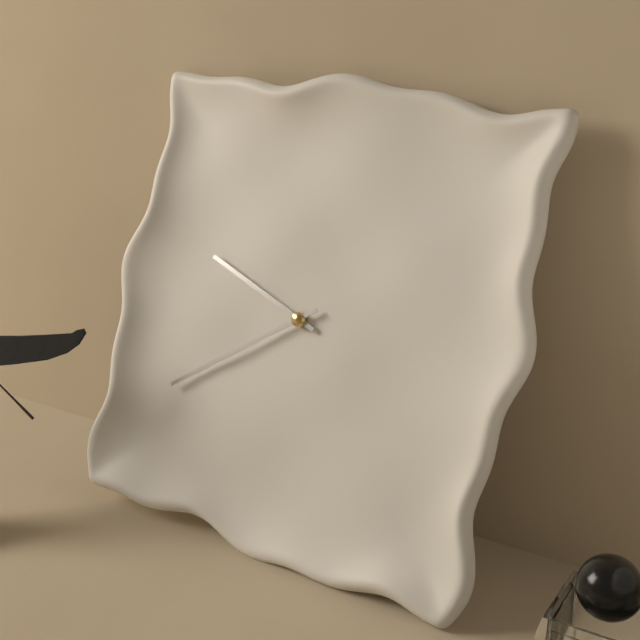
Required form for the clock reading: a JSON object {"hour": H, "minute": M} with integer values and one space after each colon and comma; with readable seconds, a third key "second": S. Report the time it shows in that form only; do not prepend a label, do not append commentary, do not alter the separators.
{"hour": 9, "minute": 39}
